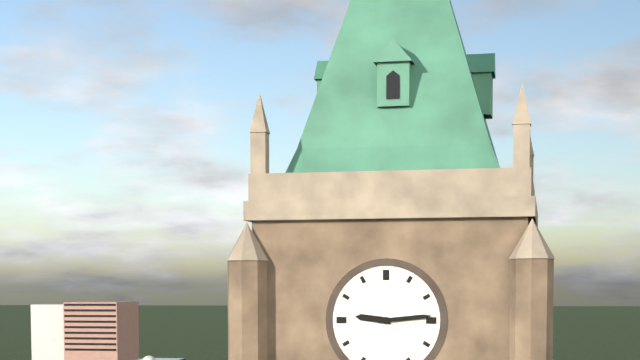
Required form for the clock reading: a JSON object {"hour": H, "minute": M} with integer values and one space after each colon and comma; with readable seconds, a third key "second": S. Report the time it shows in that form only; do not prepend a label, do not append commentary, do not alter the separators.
{"hour": 9, "minute": 14}
